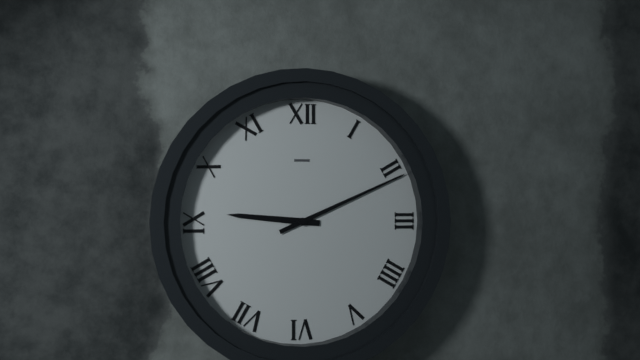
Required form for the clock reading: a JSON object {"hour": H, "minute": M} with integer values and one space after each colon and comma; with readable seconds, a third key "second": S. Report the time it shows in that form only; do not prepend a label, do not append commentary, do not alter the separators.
{"hour": 9, "minute": 11}
